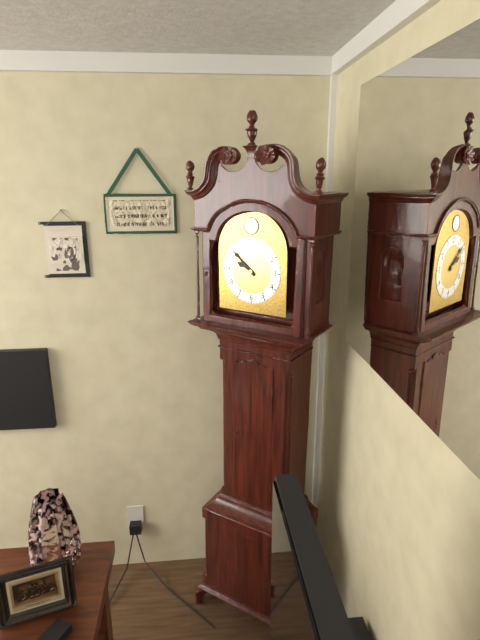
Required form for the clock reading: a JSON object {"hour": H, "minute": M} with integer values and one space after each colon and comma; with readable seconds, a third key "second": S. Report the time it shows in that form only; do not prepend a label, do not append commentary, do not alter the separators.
{"hour": 9, "minute": 52}
